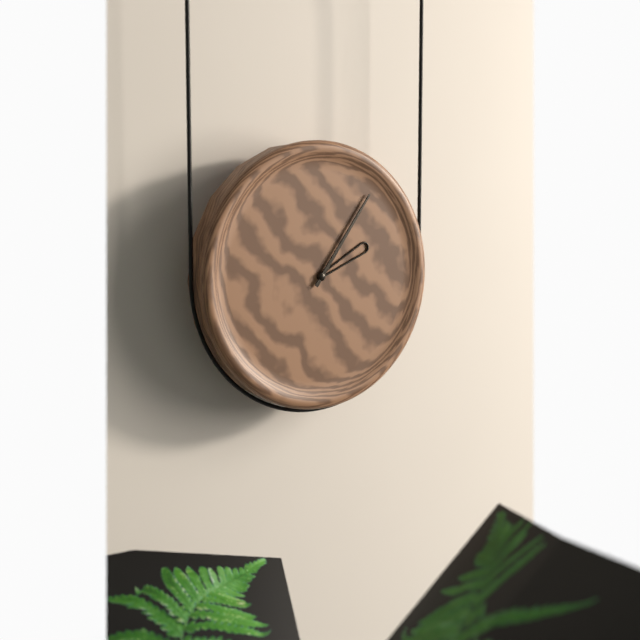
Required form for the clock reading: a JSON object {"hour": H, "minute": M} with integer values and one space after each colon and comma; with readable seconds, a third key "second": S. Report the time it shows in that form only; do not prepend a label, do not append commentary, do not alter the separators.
{"hour": 2, "minute": 6}
